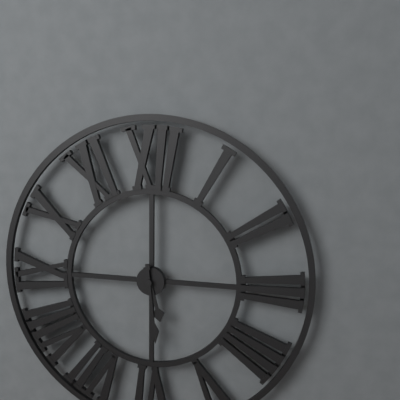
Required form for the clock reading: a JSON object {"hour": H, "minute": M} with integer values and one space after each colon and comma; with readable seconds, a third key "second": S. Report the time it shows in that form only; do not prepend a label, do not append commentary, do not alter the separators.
{"hour": 5, "minute": 29}
